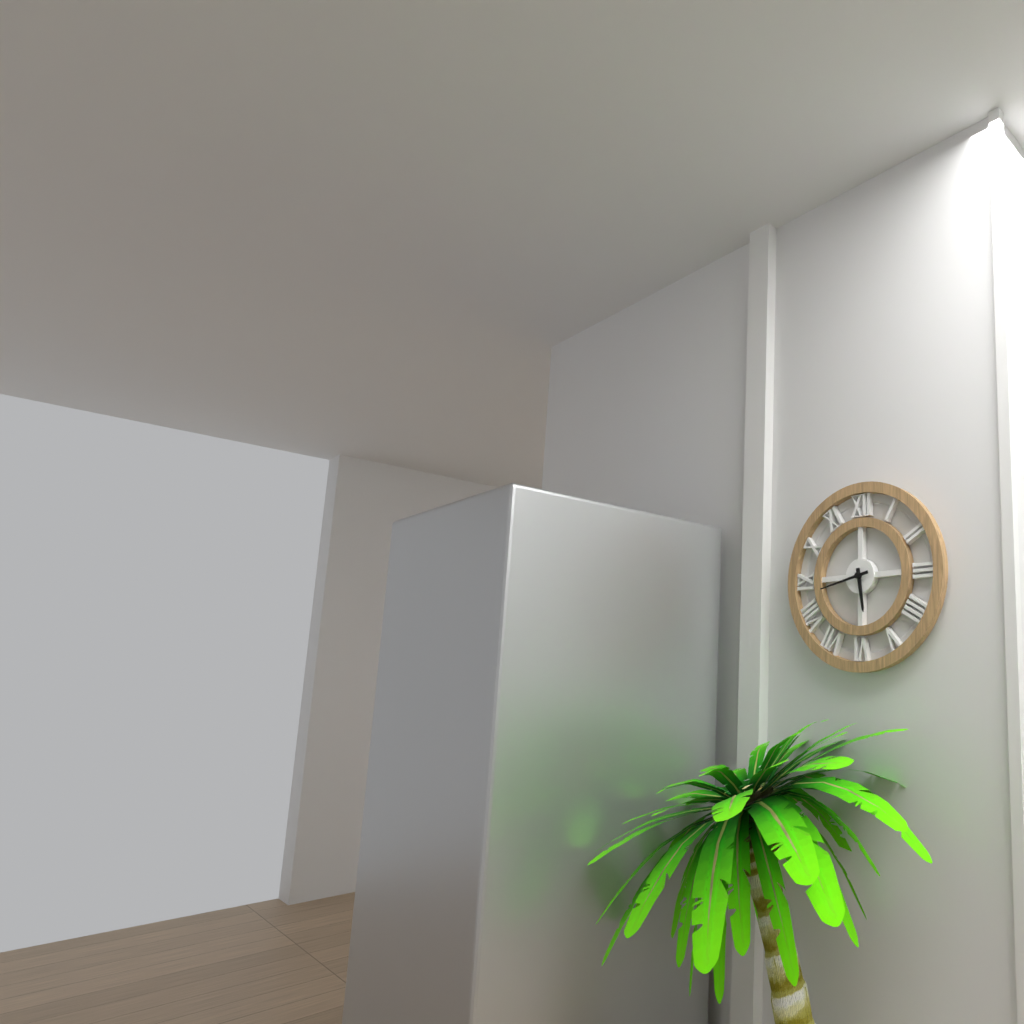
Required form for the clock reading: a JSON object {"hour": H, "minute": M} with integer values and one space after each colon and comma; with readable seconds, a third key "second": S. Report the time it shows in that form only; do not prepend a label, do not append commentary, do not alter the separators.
{"hour": 5, "minute": 43}
